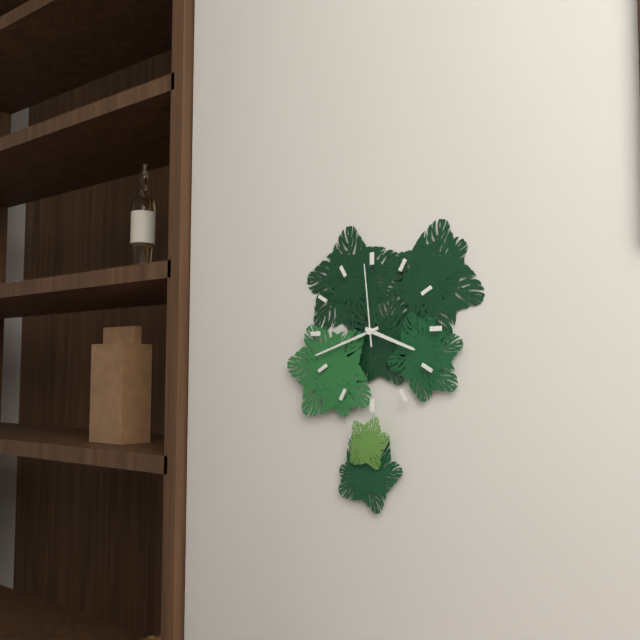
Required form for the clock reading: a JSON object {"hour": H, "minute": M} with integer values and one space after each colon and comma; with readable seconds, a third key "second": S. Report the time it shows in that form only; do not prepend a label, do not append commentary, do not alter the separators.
{"hour": 3, "minute": 42, "second": 59}
